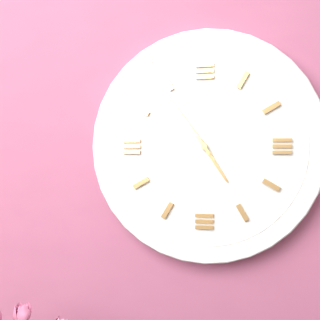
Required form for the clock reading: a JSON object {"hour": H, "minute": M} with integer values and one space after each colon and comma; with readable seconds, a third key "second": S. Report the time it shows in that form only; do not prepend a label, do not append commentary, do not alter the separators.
{"hour": 4, "minute": 54}
